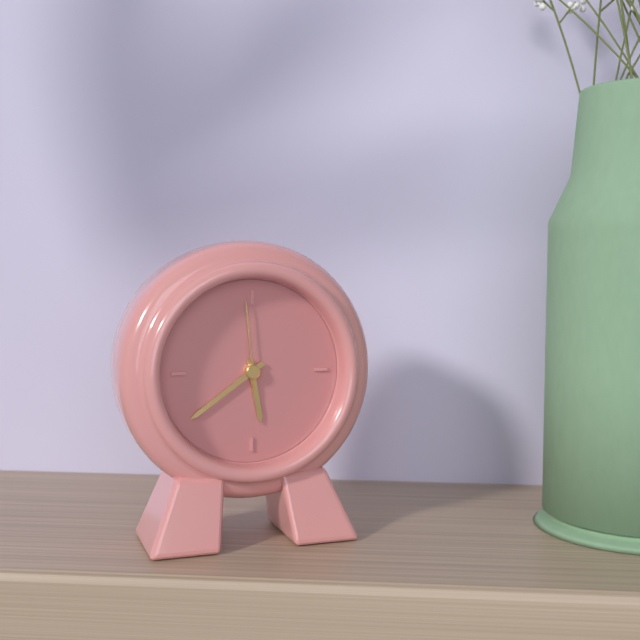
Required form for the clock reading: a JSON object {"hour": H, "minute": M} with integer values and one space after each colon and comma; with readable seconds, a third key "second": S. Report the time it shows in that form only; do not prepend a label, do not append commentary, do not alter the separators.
{"hour": 5, "minute": 39, "second": 59}
